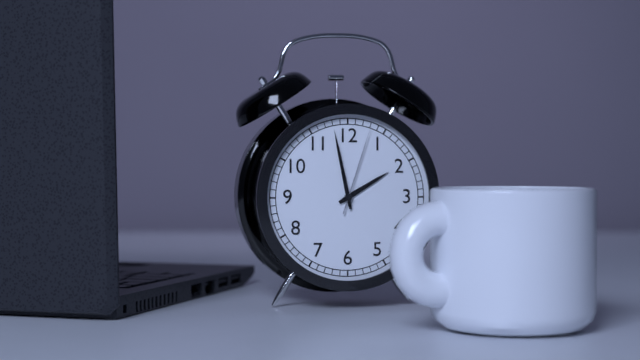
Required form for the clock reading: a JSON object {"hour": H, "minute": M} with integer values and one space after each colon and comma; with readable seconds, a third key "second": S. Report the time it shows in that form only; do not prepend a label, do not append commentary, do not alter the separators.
{"hour": 1, "minute": 58, "second": 3}
